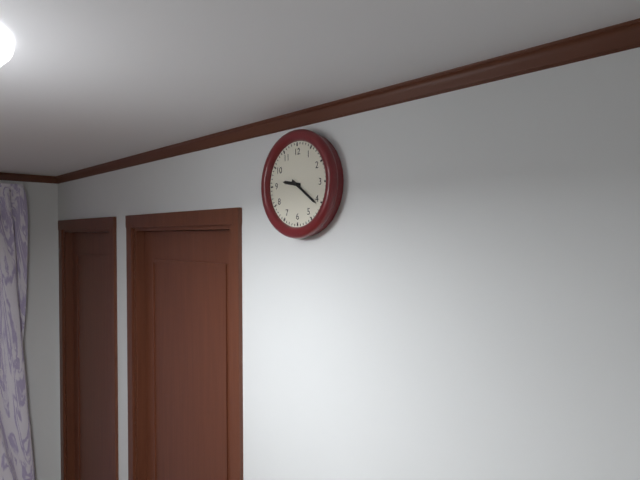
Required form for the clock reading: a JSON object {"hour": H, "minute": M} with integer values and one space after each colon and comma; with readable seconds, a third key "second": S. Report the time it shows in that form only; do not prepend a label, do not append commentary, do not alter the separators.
{"hour": 9, "minute": 21}
